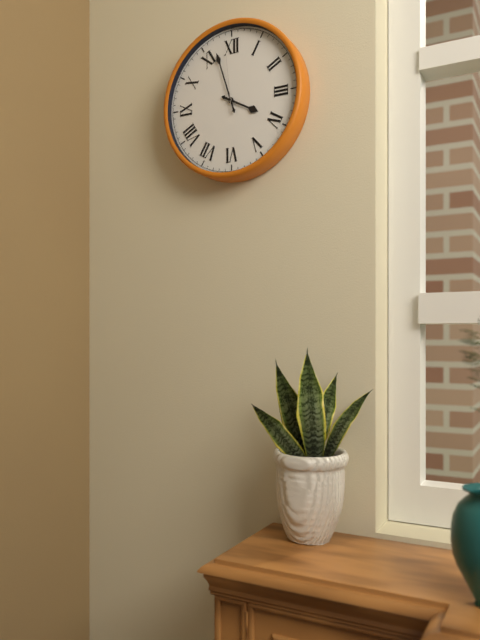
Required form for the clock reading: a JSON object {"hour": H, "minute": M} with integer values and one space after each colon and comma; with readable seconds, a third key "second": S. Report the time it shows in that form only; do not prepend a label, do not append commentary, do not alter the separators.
{"hour": 3, "minute": 57, "second": 59}
